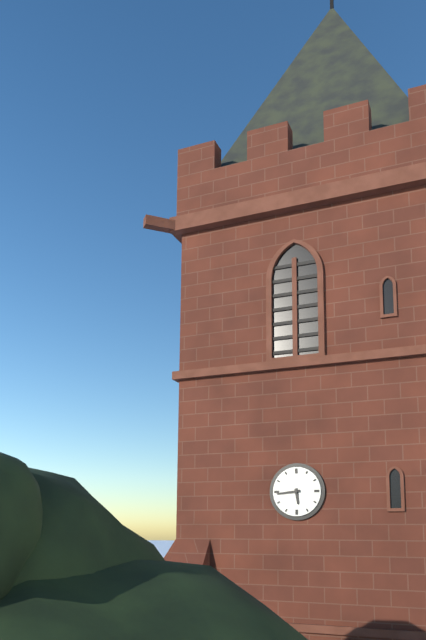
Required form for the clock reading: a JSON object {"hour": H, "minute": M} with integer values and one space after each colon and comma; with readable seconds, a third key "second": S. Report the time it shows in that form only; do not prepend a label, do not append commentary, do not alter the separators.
{"hour": 5, "minute": 44}
